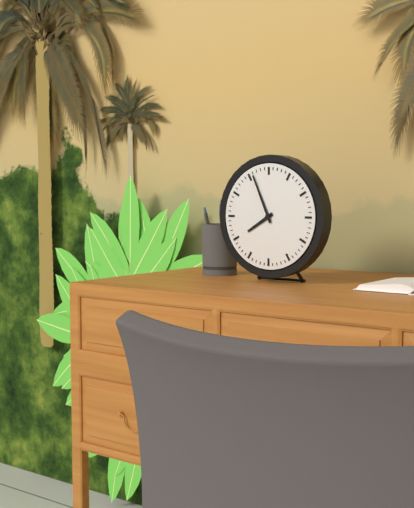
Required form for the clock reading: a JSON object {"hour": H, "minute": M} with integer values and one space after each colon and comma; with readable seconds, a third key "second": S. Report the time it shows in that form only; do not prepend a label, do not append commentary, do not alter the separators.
{"hour": 7, "minute": 56}
